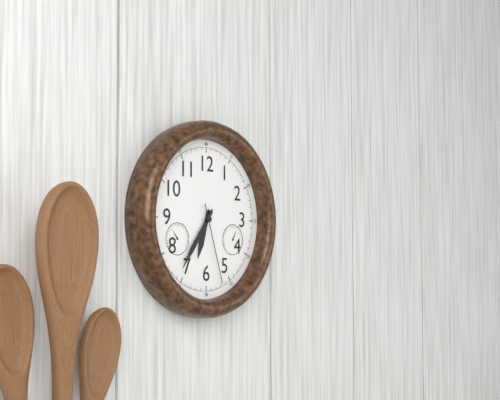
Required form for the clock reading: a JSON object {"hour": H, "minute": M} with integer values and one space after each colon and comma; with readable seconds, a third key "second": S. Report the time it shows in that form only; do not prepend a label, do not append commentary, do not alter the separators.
{"hour": 6, "minute": 36, "second": 27}
